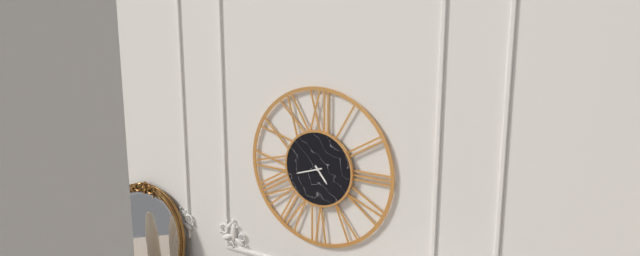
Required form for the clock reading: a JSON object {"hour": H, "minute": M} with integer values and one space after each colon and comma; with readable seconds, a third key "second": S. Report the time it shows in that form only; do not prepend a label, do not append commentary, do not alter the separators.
{"hour": 4, "minute": 42}
